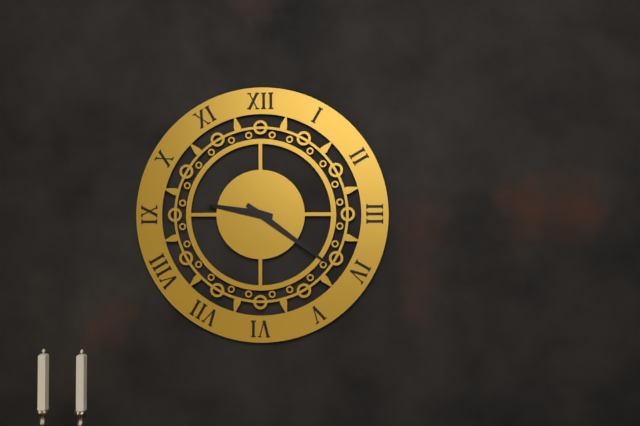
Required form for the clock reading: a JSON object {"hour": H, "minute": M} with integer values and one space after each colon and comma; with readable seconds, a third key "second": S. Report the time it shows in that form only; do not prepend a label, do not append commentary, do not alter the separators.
{"hour": 9, "minute": 21}
